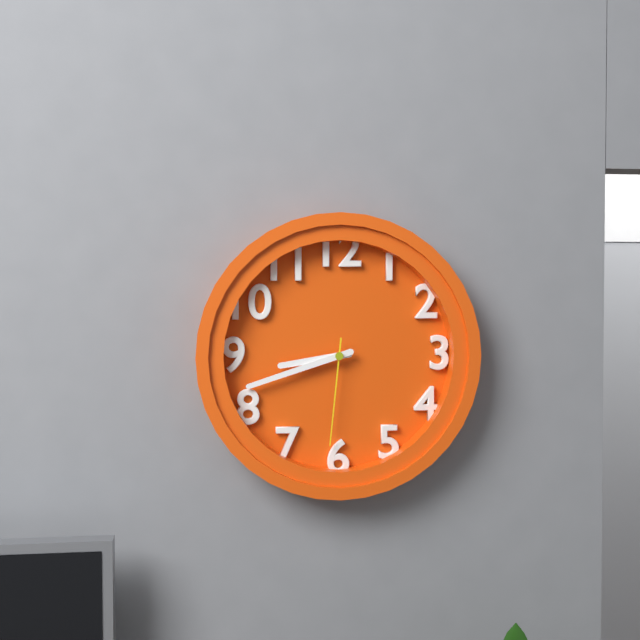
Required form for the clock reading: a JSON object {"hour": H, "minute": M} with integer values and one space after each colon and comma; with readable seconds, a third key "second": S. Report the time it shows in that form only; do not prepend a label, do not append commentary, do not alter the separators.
{"hour": 8, "minute": 42, "second": 31}
